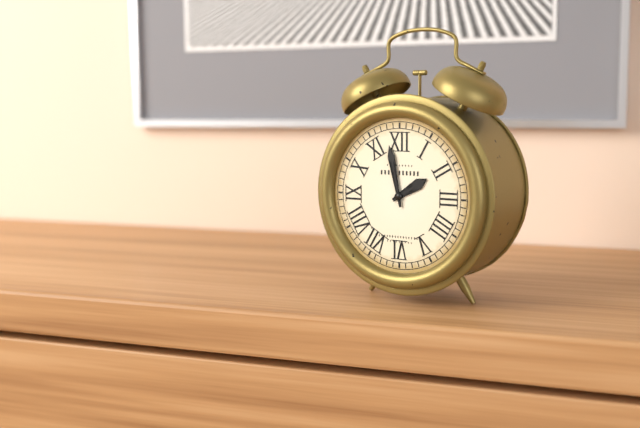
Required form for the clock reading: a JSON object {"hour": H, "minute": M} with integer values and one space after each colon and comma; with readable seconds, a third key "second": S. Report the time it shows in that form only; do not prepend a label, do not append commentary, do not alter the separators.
{"hour": 1, "minute": 58}
